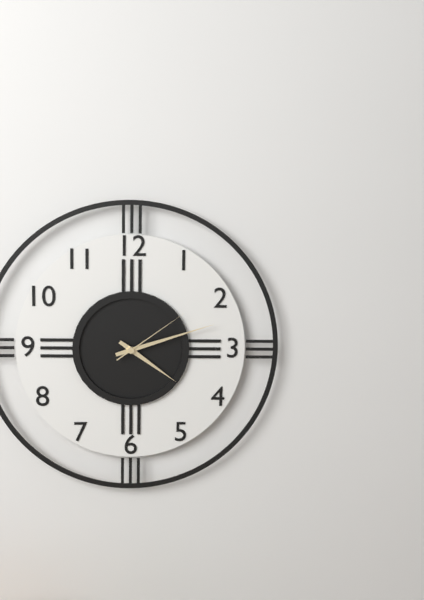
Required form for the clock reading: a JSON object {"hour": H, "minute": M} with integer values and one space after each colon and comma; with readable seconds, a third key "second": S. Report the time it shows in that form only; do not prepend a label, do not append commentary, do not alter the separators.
{"hour": 4, "minute": 12, "second": 9}
